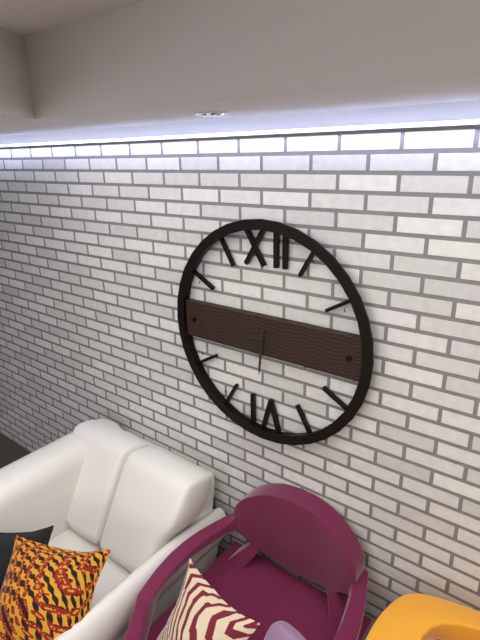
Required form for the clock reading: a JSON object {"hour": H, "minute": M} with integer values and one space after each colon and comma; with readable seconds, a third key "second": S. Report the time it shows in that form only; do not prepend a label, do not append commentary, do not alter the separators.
{"hour": 8, "minute": 31}
